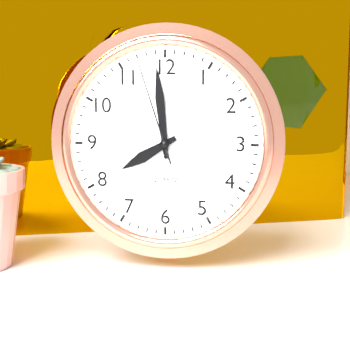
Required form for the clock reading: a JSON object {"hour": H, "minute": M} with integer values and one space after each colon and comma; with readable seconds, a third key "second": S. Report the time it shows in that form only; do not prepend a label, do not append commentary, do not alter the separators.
{"hour": 7, "minute": 59, "second": 57}
